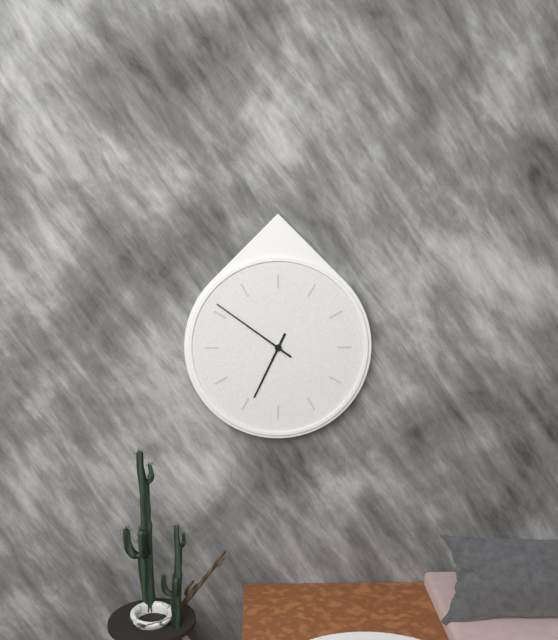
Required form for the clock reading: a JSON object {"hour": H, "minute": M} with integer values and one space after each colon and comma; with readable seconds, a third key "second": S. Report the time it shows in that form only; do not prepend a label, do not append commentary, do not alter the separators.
{"hour": 6, "minute": 51}
